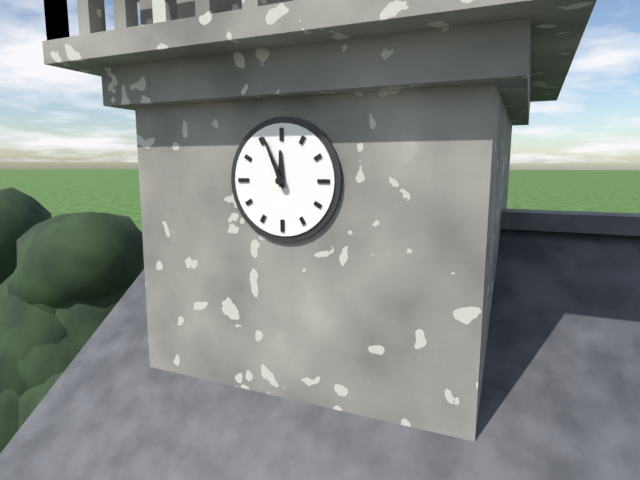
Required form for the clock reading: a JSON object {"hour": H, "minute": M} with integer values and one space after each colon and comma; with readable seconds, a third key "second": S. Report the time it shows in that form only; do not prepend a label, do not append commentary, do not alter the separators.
{"hour": 11, "minute": 56}
